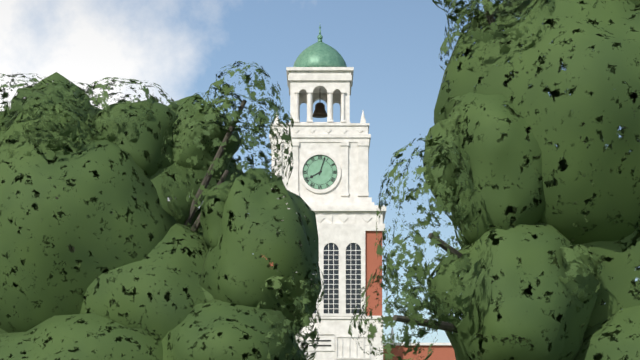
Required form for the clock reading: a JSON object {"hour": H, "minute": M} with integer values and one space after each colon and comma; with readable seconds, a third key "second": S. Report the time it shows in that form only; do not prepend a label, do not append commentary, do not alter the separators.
{"hour": 8, "minute": 3}
